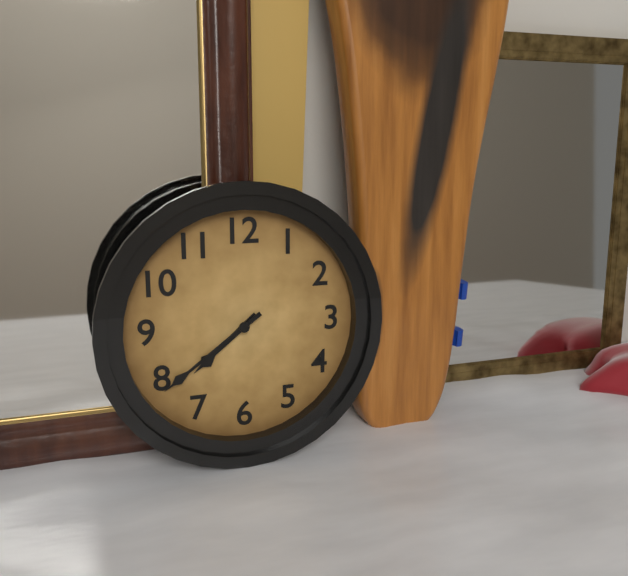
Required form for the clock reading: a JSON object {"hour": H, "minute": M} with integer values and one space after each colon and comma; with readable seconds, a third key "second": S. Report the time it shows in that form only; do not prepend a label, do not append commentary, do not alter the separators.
{"hour": 7, "minute": 39}
